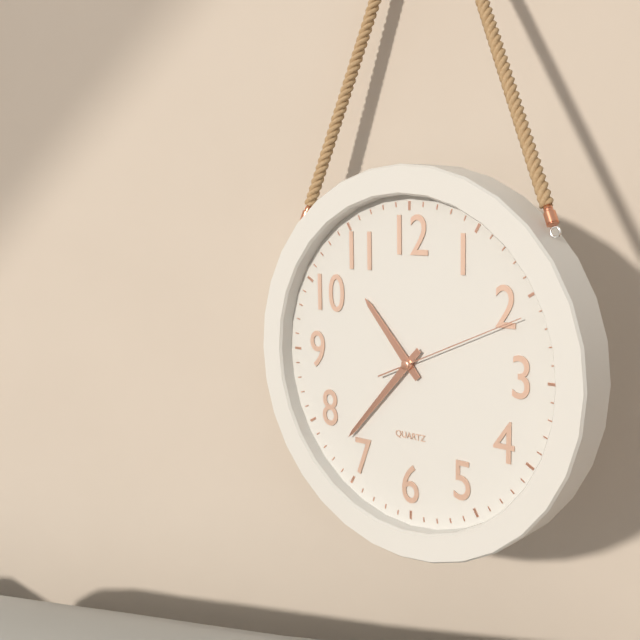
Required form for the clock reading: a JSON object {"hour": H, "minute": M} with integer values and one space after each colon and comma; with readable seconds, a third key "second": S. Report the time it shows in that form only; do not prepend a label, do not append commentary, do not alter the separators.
{"hour": 10, "minute": 37, "second": 11}
